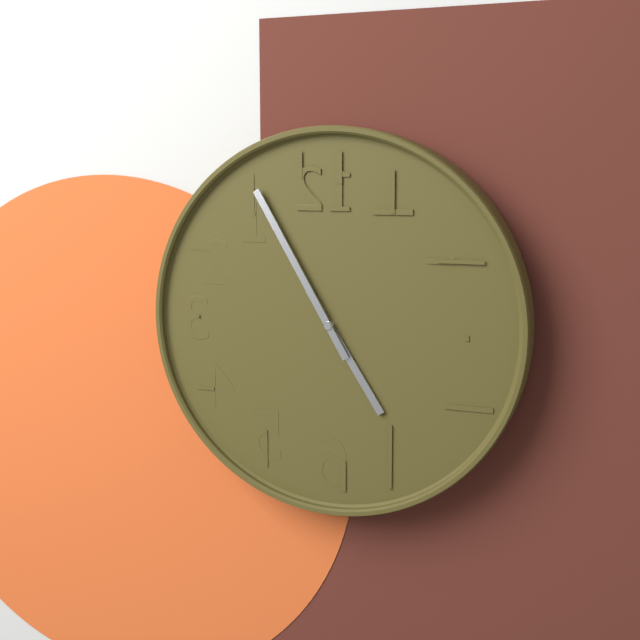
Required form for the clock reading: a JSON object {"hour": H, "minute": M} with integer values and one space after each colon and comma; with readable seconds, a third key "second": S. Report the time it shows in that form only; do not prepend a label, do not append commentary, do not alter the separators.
{"hour": 4, "minute": 55}
